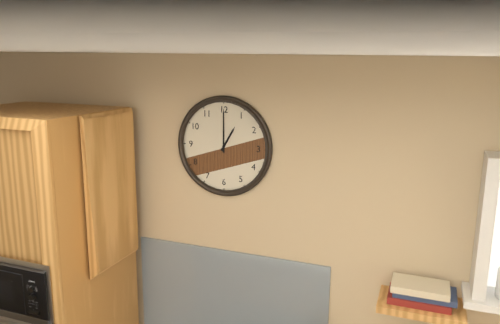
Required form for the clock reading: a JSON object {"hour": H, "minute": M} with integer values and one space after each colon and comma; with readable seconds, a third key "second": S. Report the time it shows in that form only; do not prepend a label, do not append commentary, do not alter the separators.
{"hour": 1, "minute": 0}
